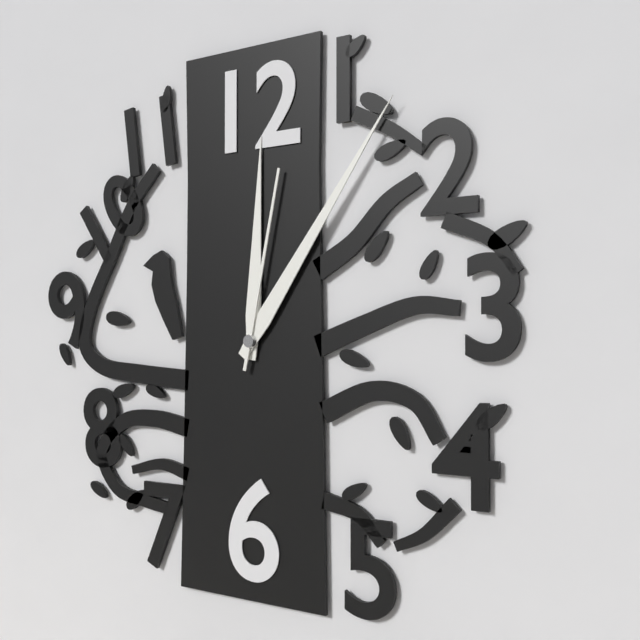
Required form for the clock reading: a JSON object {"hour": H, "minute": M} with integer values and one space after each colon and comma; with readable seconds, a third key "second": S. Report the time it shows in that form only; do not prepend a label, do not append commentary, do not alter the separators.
{"hour": 12, "minute": 6, "second": 2}
